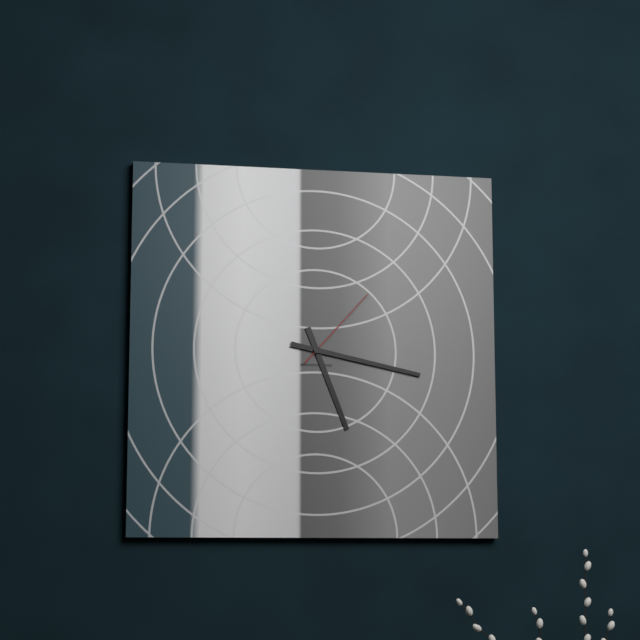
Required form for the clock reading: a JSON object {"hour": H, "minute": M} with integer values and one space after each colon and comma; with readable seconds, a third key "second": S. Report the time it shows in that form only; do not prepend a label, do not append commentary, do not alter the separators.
{"hour": 5, "minute": 17, "second": 7}
